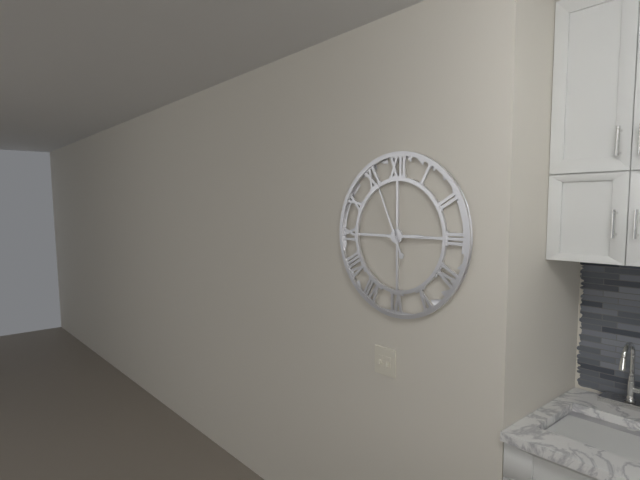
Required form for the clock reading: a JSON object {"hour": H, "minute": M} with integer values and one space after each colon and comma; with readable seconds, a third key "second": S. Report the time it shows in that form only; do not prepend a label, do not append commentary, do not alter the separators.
{"hour": 2, "minute": 56}
